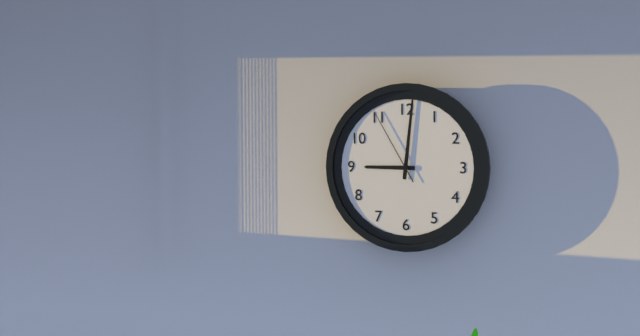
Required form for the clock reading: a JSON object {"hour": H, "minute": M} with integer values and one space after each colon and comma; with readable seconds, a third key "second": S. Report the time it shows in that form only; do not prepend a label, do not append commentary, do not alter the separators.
{"hour": 9, "minute": 1, "second": 55}
